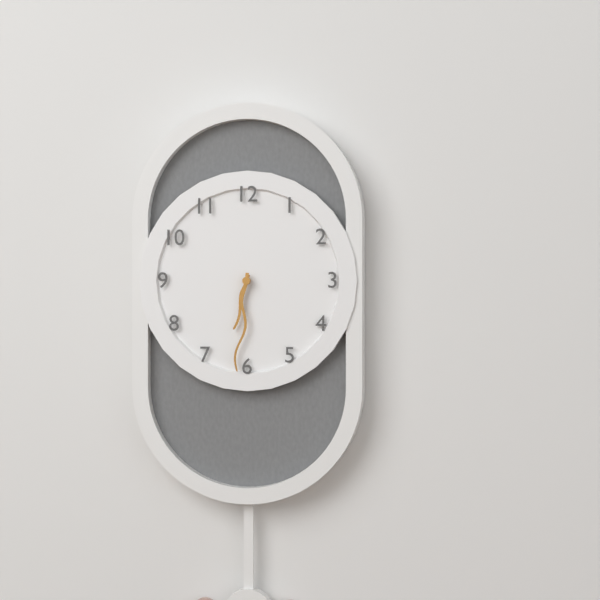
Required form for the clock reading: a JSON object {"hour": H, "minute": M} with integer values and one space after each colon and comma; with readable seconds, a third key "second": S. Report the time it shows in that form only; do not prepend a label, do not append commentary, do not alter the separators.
{"hour": 6, "minute": 31}
